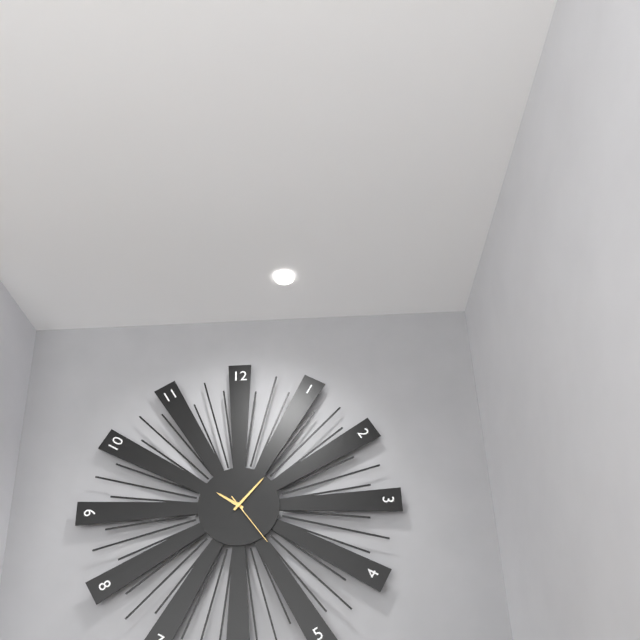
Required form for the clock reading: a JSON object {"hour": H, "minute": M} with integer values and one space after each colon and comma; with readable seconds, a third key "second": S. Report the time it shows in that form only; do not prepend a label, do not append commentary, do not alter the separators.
{"hour": 10, "minute": 7, "second": 24}
